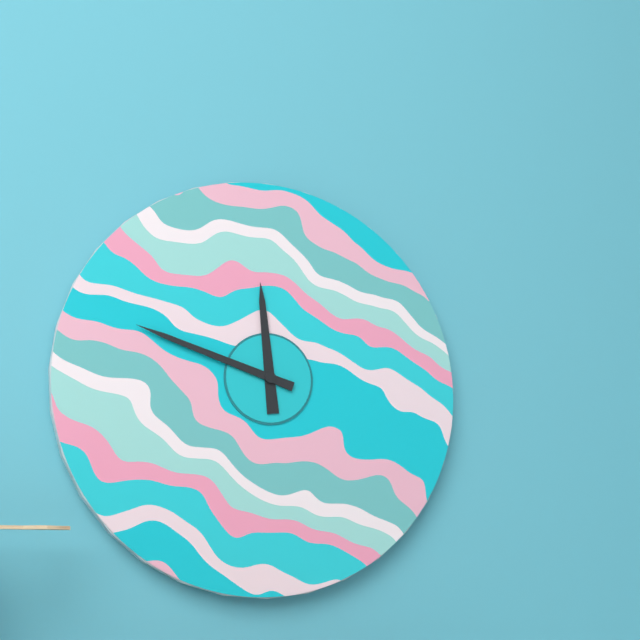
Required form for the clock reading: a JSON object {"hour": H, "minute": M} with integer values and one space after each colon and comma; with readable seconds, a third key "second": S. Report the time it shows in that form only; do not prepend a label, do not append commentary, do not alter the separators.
{"hour": 11, "minute": 48}
